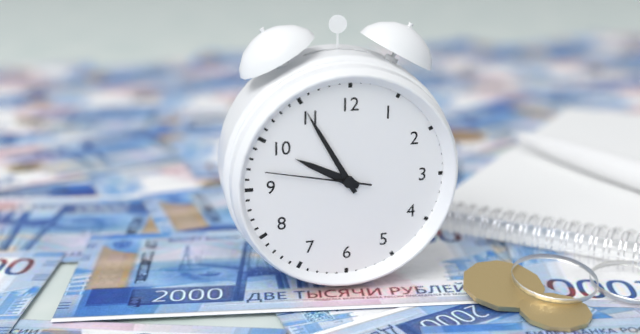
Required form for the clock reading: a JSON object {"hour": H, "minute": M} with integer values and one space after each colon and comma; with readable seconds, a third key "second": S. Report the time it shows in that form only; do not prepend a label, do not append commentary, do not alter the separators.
{"hour": 9, "minute": 55, "second": 47}
